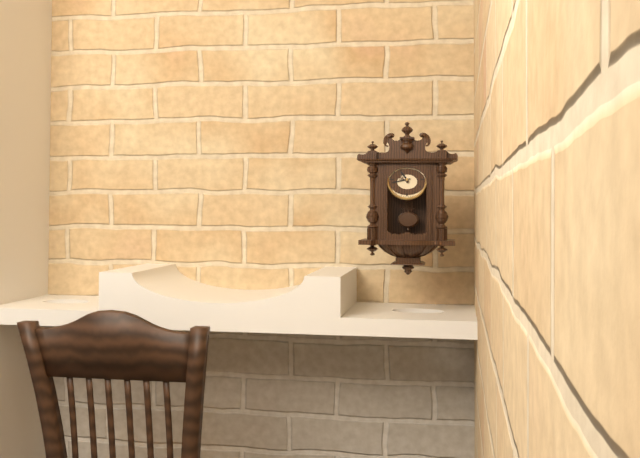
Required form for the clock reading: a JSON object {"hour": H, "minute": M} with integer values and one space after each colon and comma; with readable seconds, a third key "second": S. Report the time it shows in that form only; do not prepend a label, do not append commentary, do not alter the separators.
{"hour": 10, "minute": 43}
